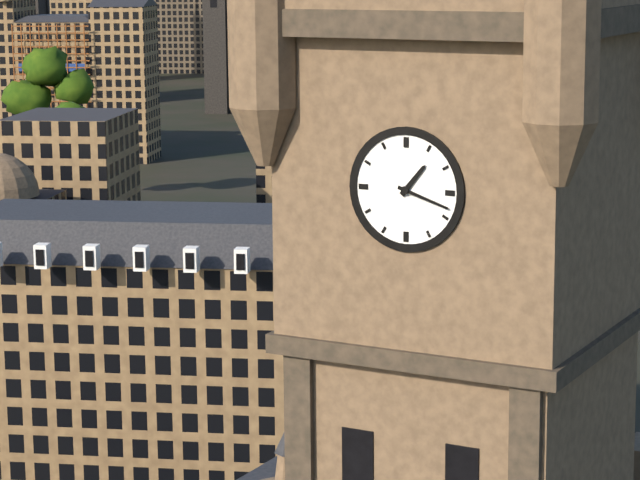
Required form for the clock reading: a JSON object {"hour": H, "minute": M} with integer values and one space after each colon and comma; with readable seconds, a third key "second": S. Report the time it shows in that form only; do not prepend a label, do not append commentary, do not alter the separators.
{"hour": 1, "minute": 18}
